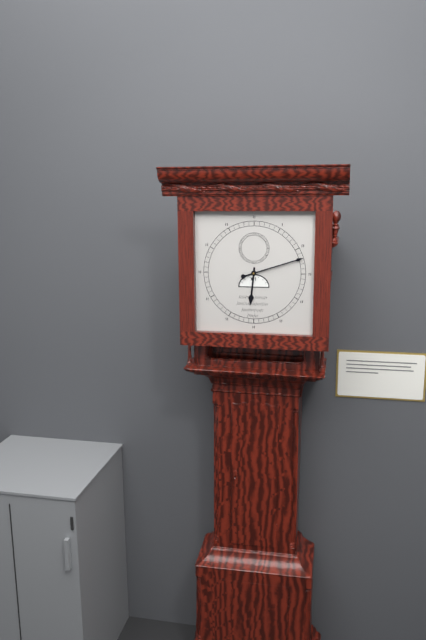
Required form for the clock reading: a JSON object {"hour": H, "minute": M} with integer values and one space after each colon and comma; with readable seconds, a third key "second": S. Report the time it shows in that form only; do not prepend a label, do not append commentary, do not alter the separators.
{"hour": 6, "minute": 12}
